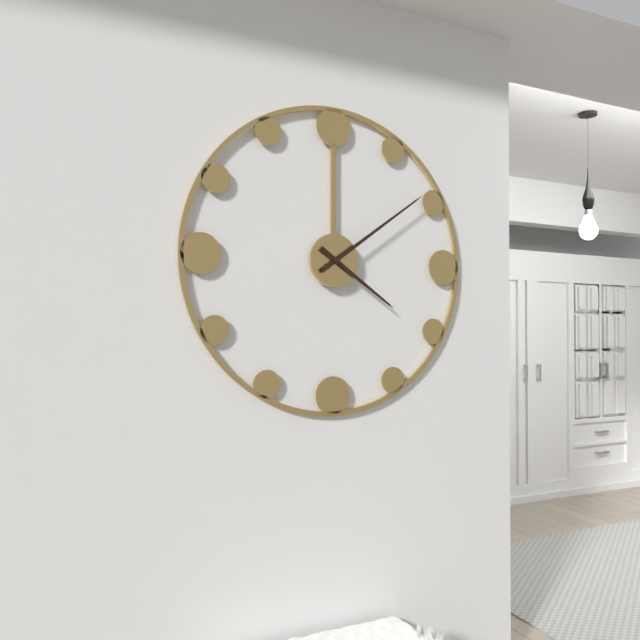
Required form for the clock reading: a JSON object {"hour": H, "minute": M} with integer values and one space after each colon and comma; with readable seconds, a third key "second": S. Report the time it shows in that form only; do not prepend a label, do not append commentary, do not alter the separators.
{"hour": 4, "minute": 9}
